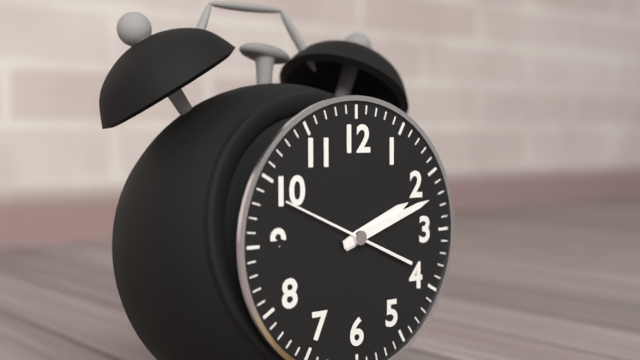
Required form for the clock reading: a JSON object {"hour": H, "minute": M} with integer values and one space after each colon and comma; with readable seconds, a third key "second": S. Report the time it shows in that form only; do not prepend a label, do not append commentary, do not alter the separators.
{"hour": 2, "minute": 12, "second": 49}
